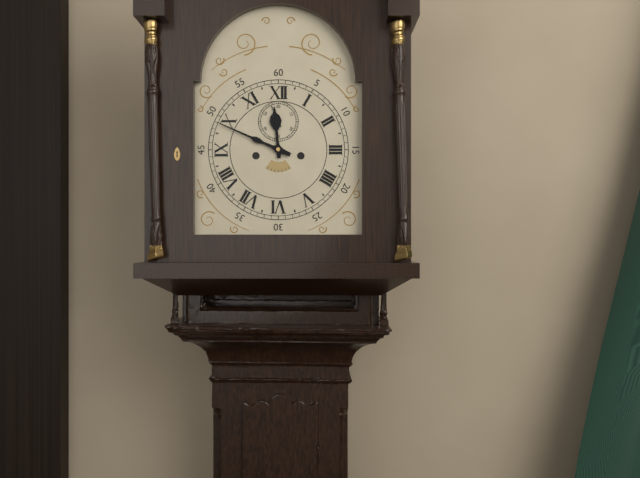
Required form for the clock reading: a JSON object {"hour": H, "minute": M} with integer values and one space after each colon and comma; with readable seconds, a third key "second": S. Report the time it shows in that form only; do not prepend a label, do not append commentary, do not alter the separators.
{"hour": 11, "minute": 49}
